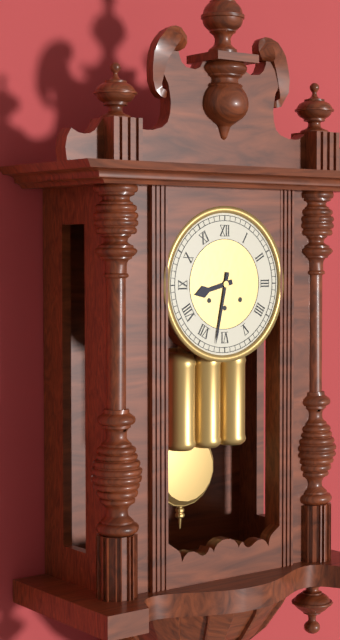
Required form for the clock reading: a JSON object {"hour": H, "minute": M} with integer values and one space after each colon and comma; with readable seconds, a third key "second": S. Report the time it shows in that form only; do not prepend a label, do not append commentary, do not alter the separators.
{"hour": 8, "minute": 32}
